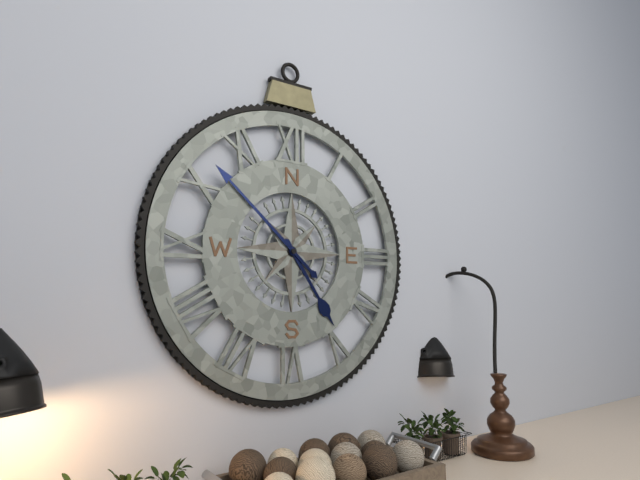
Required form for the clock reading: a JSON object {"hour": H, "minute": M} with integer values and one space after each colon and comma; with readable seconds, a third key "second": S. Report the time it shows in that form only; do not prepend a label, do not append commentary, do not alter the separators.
{"hour": 4, "minute": 52}
